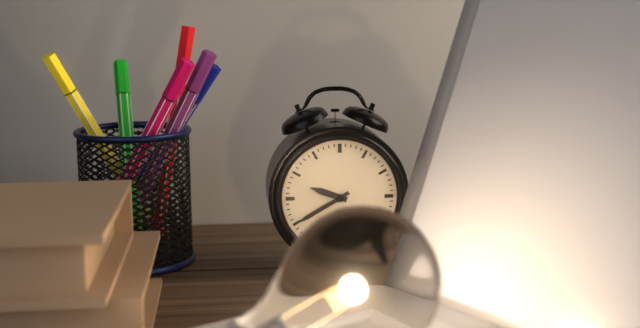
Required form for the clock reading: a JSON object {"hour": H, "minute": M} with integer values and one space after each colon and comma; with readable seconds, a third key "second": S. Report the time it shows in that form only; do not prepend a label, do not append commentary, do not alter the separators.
{"hour": 9, "minute": 40}
